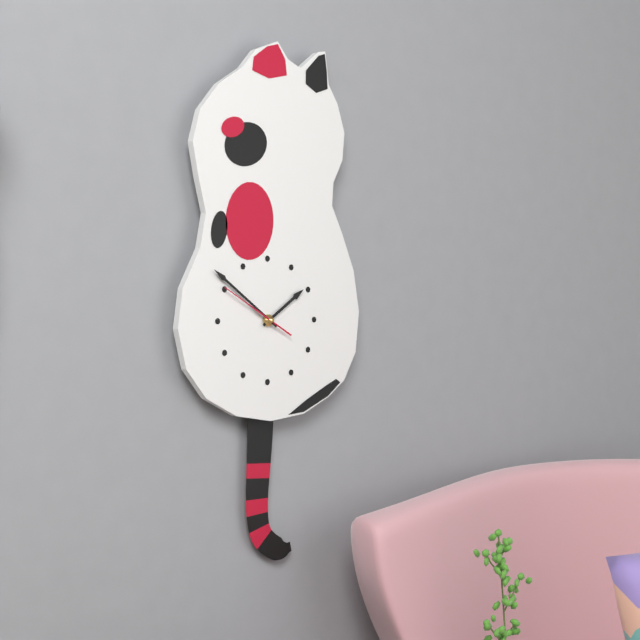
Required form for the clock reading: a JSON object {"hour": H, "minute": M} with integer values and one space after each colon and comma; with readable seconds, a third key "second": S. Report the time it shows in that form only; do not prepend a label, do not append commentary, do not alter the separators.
{"hour": 1, "minute": 51, "second": 50}
